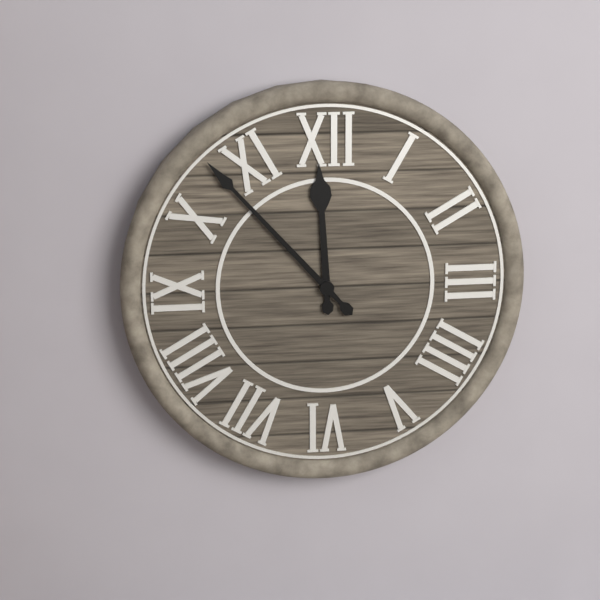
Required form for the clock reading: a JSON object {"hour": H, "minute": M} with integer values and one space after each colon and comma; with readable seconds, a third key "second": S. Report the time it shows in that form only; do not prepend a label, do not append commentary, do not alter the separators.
{"hour": 11, "minute": 53}
